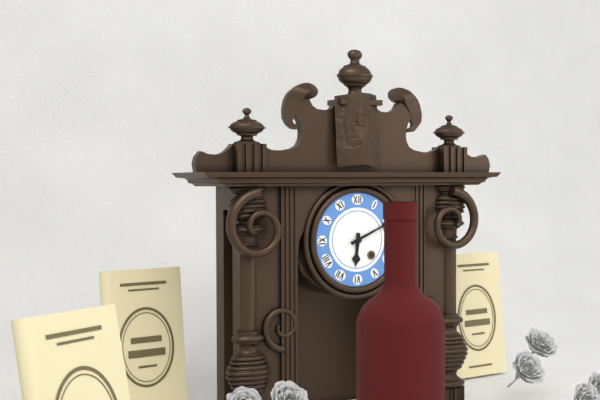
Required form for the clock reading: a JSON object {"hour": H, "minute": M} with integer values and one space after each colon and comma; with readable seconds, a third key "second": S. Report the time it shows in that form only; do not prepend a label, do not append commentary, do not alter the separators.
{"hour": 6, "minute": 11}
